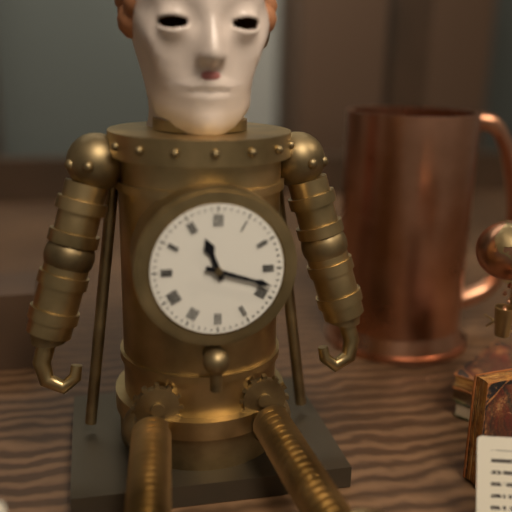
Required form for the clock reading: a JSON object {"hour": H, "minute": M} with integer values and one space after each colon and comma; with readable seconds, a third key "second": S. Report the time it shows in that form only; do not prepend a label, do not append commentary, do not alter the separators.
{"hour": 11, "minute": 18}
